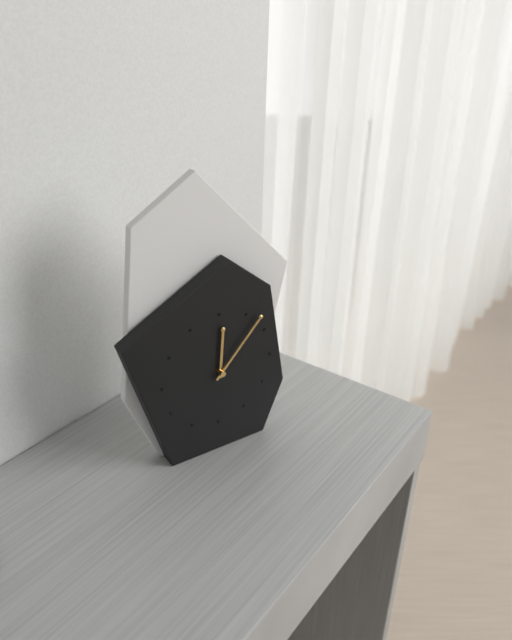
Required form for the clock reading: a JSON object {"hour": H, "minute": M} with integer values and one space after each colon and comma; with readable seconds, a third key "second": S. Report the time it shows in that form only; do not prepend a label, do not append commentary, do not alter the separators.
{"hour": 12, "minute": 7}
